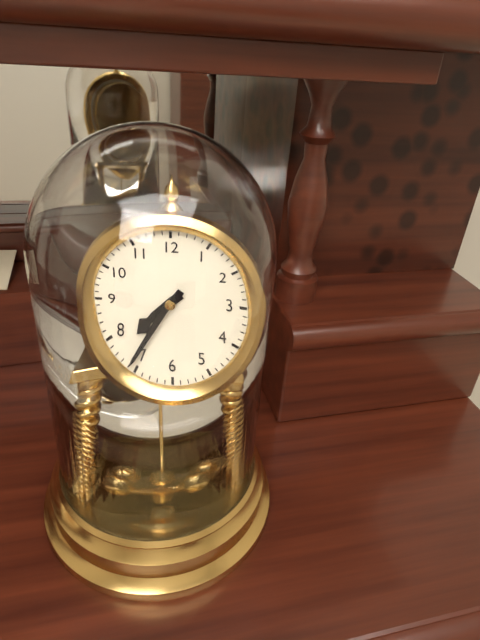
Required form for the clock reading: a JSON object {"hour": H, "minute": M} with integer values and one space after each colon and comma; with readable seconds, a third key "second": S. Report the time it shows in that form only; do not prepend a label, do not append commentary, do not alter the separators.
{"hour": 7, "minute": 36}
